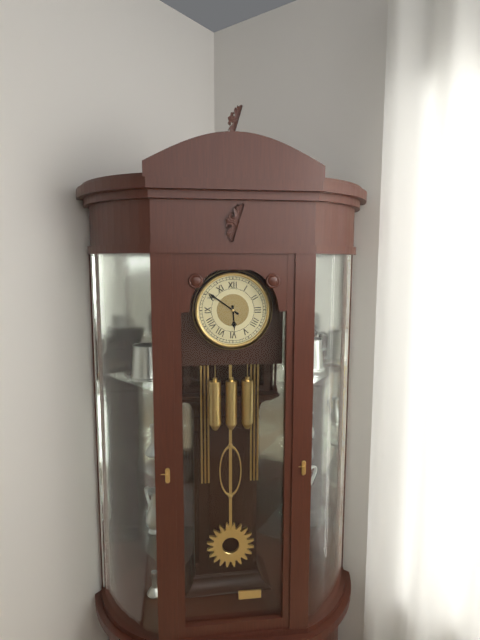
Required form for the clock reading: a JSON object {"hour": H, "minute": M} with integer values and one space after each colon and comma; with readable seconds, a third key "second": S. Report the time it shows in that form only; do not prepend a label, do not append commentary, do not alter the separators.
{"hour": 5, "minute": 51}
